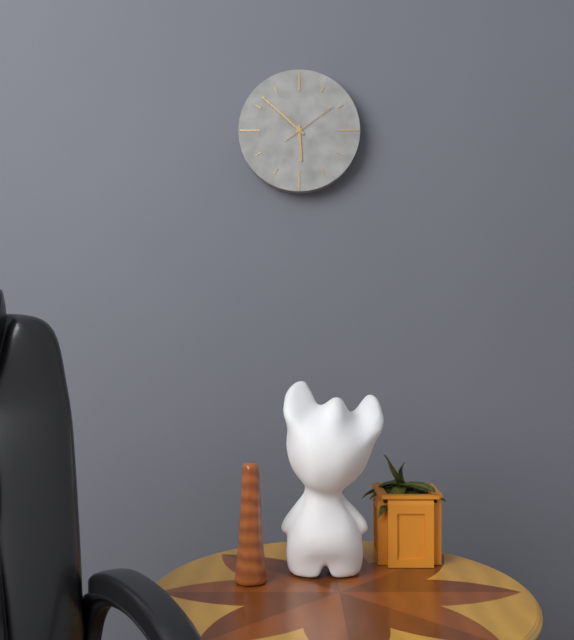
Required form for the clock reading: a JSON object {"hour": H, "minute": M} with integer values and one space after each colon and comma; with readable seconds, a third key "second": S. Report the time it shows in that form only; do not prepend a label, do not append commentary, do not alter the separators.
{"hour": 5, "minute": 52, "second": 9}
